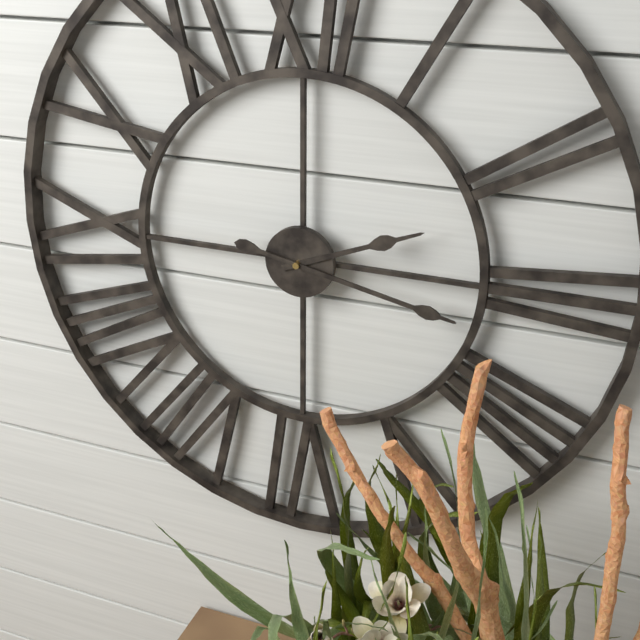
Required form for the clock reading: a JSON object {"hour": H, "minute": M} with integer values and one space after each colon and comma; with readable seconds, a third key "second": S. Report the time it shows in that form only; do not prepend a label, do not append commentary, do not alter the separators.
{"hour": 2, "minute": 17}
